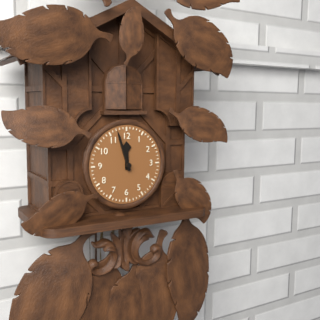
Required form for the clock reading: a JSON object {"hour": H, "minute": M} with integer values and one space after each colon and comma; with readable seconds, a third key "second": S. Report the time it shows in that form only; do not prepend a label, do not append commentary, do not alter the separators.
{"hour": 11, "minute": 57}
